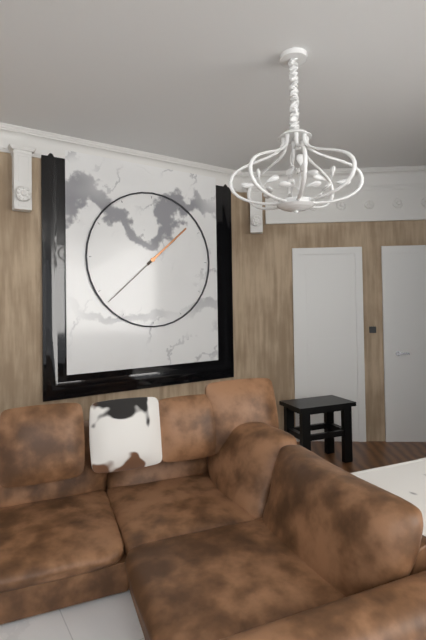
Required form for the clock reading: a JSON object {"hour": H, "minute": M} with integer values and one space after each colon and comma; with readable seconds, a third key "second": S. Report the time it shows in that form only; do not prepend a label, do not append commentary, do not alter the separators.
{"hour": 1, "minute": 38}
